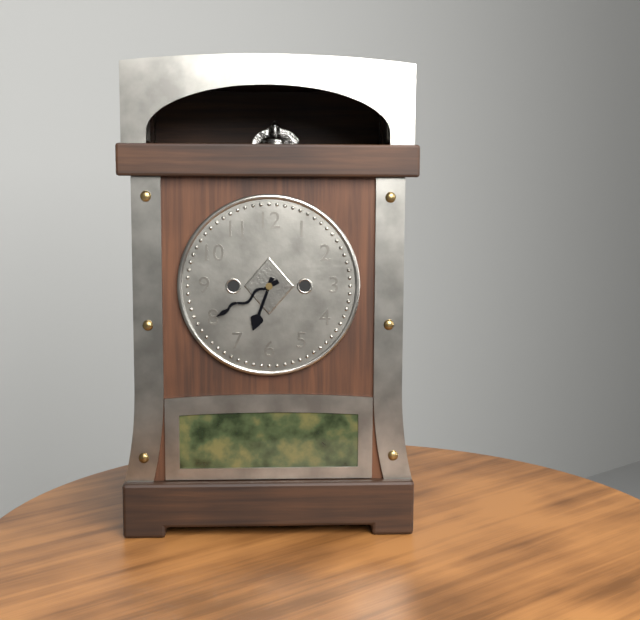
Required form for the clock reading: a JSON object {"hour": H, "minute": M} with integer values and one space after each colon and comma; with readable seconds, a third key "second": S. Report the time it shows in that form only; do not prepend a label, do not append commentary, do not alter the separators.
{"hour": 6, "minute": 40}
